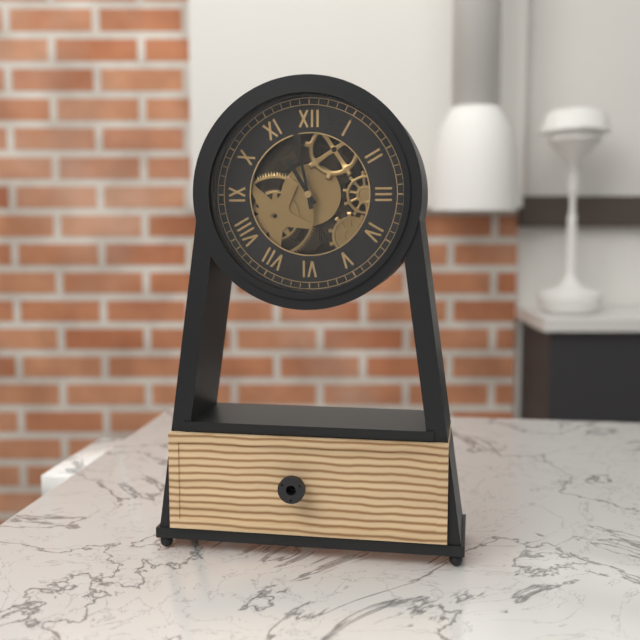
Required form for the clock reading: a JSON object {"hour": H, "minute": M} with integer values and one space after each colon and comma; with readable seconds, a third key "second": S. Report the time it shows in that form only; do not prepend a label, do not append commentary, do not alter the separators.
{"hour": 10, "minute": 58}
